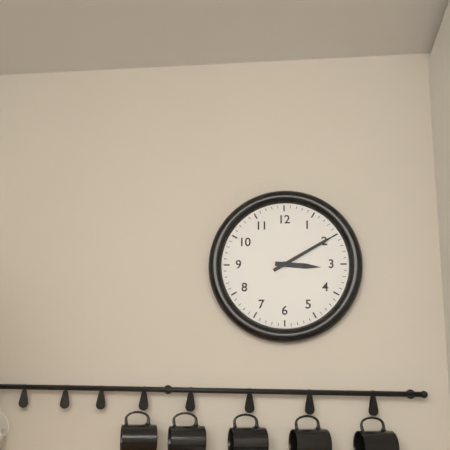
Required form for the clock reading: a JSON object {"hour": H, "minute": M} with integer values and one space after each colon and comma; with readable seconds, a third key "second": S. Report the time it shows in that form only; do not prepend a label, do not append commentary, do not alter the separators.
{"hour": 3, "minute": 10}
